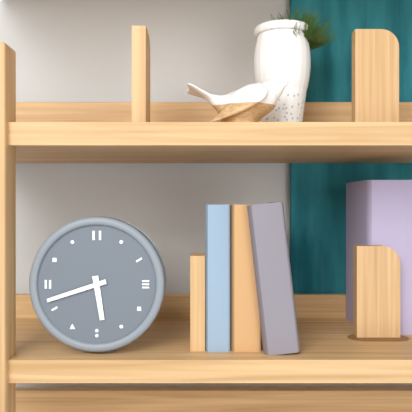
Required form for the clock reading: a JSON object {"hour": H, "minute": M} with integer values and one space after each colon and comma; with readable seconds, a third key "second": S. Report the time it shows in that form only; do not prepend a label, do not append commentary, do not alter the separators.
{"hour": 5, "minute": 42}
